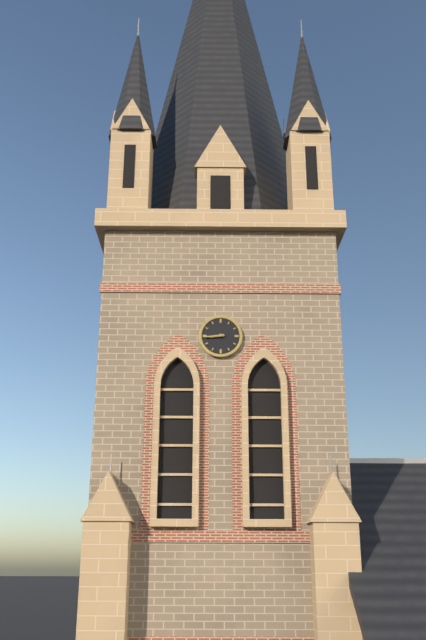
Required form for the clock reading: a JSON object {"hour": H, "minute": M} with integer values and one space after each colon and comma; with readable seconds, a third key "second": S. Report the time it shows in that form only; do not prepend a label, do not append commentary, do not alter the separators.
{"hour": 8, "minute": 44}
